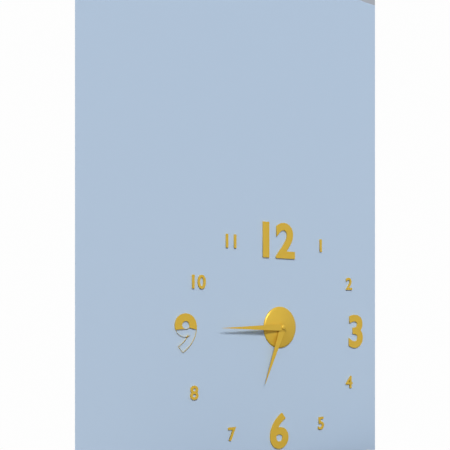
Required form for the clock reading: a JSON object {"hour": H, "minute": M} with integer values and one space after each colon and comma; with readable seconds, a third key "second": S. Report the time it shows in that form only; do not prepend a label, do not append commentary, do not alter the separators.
{"hour": 6, "minute": 45}
